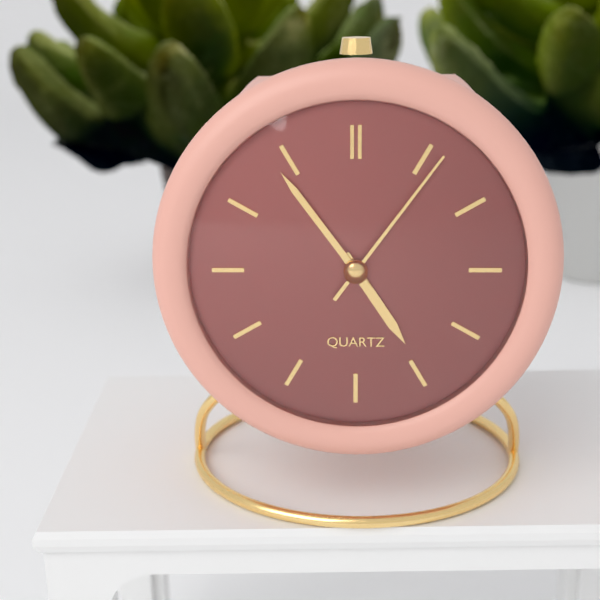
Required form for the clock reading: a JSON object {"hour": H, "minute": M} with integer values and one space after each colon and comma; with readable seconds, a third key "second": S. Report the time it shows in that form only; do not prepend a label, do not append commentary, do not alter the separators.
{"hour": 4, "minute": 54, "second": 6}
